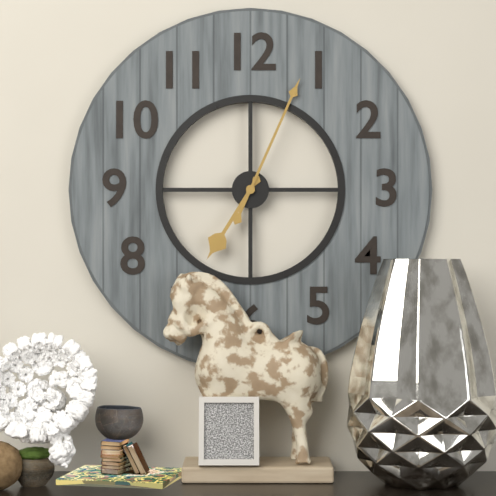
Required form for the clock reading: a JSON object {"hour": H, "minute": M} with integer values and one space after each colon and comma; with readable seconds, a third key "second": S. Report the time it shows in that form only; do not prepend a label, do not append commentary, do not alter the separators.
{"hour": 7, "minute": 4}
